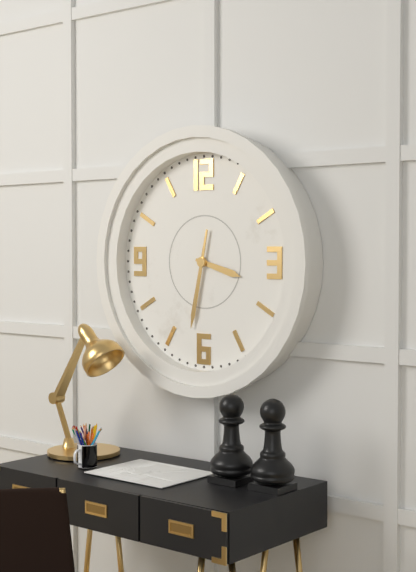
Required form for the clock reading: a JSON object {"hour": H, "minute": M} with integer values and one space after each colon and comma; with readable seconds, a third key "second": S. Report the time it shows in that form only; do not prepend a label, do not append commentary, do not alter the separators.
{"hour": 3, "minute": 32}
